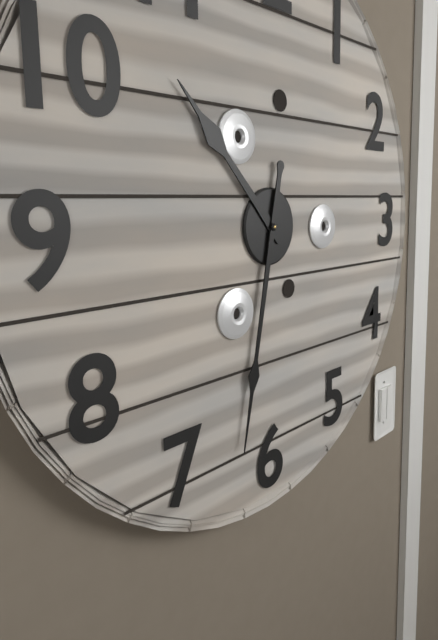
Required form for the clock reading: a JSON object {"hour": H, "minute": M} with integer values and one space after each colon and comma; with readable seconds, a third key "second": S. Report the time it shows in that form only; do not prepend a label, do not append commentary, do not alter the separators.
{"hour": 10, "minute": 32}
